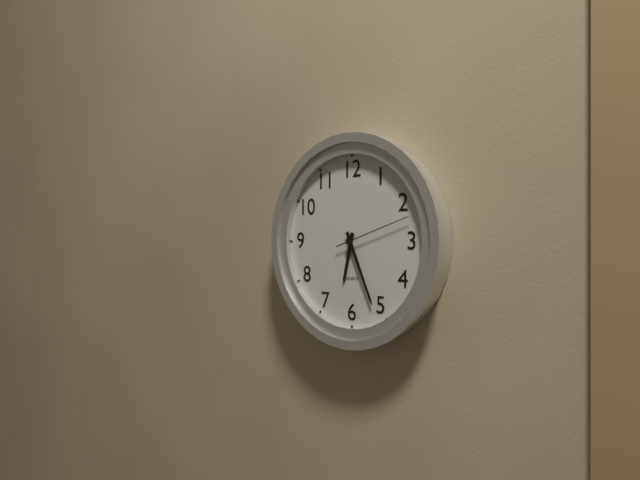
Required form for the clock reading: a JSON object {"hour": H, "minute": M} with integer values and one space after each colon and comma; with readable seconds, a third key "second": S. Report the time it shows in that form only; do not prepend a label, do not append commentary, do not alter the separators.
{"hour": 6, "minute": 26, "second": 12}
